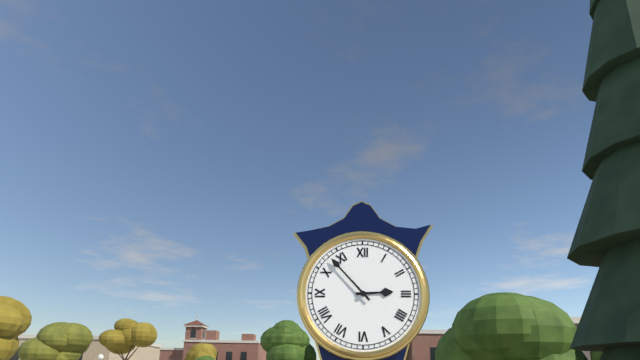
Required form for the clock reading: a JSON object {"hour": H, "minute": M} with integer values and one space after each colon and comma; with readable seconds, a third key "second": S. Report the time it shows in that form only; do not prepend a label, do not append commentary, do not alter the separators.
{"hour": 2, "minute": 53}
